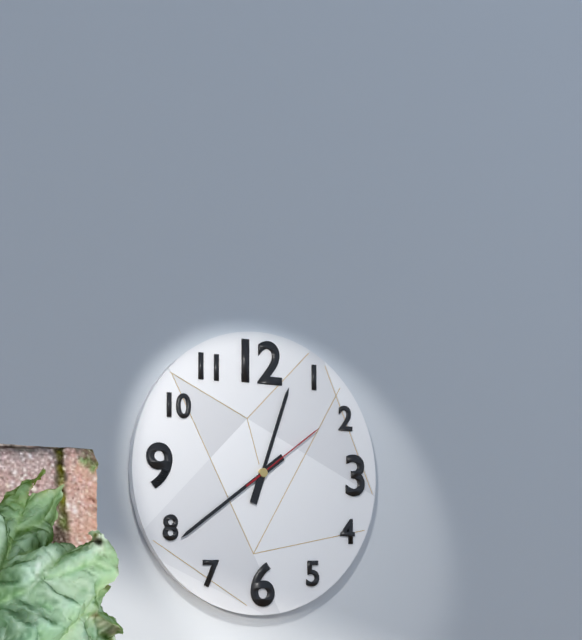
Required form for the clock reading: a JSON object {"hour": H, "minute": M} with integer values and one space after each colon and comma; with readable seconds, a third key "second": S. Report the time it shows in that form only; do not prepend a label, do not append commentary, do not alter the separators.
{"hour": 12, "minute": 39, "second": 9}
